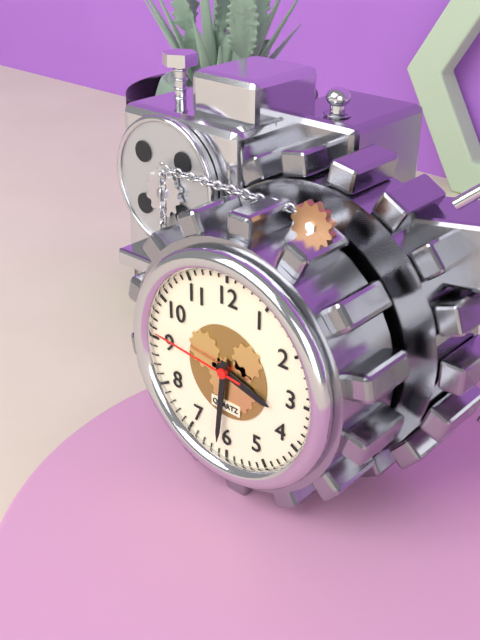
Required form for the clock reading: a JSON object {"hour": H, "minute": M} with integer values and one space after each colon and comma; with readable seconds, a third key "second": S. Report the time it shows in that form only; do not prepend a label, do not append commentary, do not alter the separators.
{"hour": 3, "minute": 31, "second": 46}
